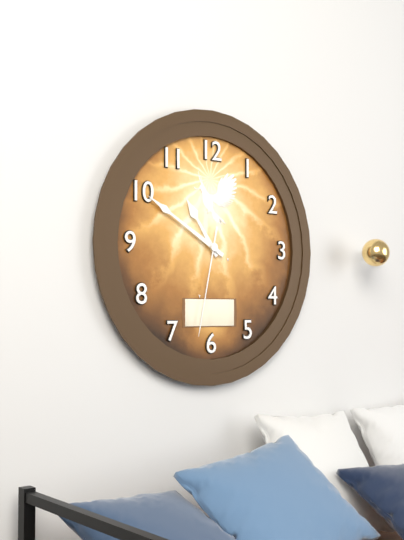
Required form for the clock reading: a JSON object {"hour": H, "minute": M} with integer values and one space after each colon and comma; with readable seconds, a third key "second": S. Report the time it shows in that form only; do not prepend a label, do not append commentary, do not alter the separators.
{"hour": 10, "minute": 50, "second": 32}
